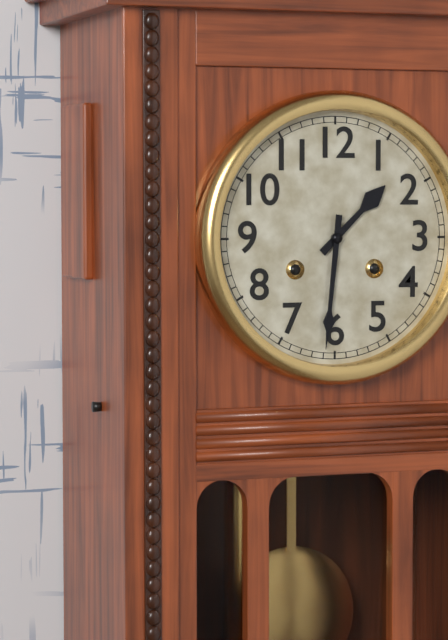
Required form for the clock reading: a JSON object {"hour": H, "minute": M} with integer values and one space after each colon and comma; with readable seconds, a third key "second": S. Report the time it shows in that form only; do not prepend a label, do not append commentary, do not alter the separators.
{"hour": 1, "minute": 31}
